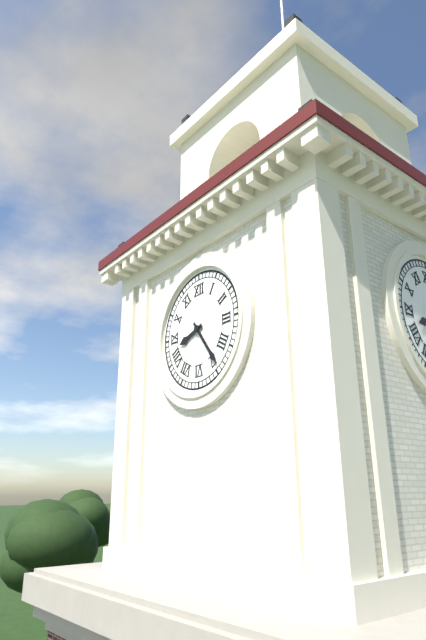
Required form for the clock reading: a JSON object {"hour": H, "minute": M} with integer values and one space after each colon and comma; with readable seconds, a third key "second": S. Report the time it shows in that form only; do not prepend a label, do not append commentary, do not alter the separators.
{"hour": 8, "minute": 24}
